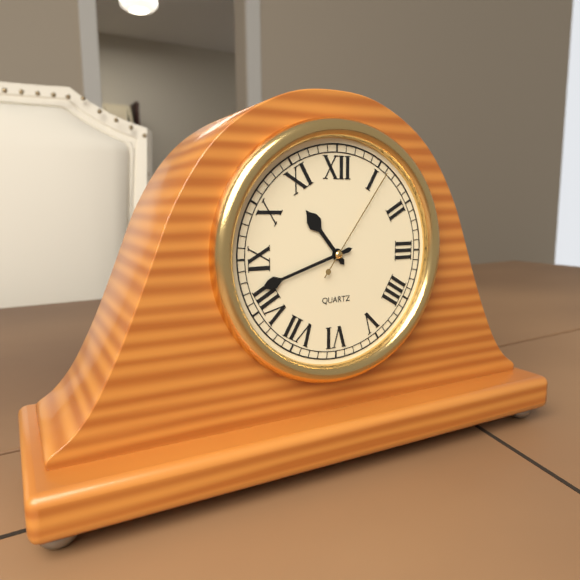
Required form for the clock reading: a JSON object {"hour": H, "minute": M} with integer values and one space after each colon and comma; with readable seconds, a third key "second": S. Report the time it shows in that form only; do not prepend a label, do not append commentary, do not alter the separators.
{"hour": 10, "minute": 42, "second": 6}
